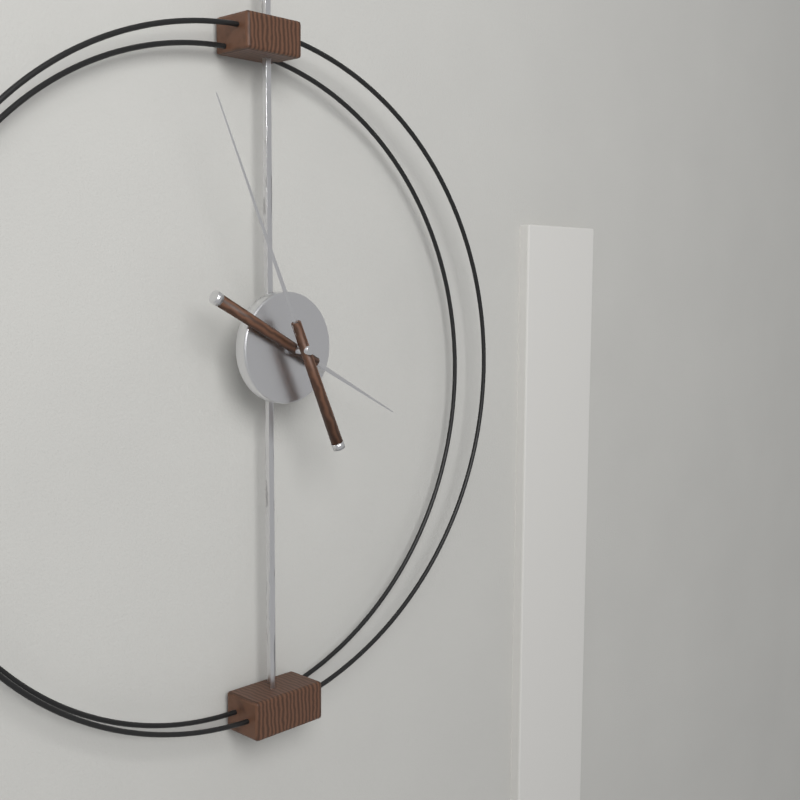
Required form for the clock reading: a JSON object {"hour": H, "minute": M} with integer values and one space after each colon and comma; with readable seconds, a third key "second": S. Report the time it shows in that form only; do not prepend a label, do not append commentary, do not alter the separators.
{"hour": 3, "minute": 56}
